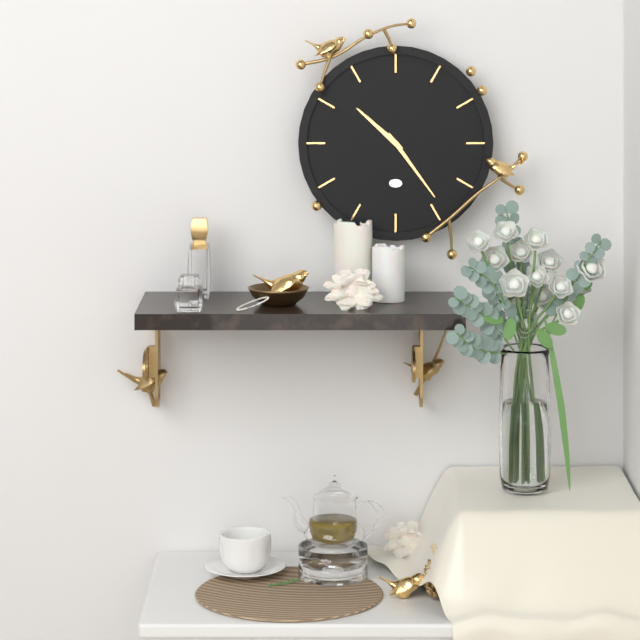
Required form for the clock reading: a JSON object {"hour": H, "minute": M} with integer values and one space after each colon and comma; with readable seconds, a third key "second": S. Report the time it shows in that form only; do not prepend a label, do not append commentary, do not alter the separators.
{"hour": 10, "minute": 24}
